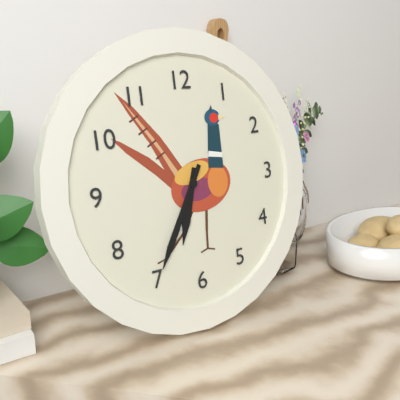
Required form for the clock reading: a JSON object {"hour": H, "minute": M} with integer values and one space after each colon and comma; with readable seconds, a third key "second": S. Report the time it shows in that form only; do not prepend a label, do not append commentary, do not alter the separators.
{"hour": 6, "minute": 35}
